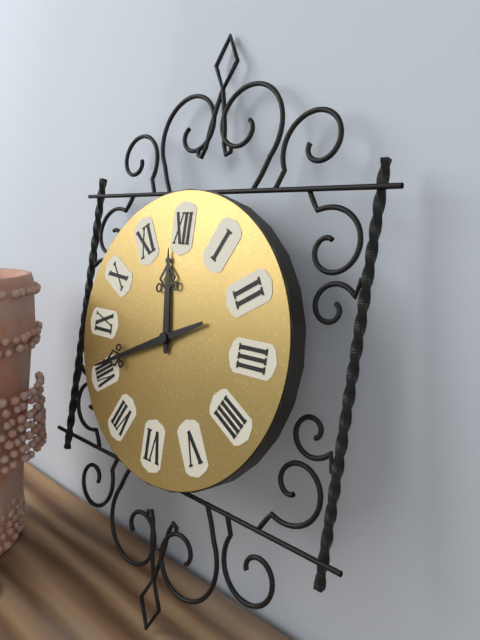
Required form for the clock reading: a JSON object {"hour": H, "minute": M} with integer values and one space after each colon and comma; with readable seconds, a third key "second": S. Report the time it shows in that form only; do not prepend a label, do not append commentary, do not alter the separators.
{"hour": 11, "minute": 41}
